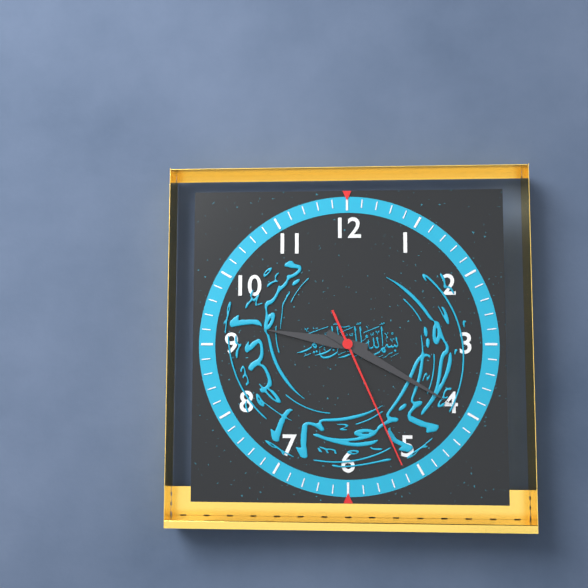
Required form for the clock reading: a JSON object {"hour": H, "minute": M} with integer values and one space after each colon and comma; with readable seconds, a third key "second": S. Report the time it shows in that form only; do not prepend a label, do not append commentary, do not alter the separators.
{"hour": 9, "minute": 20, "second": 26}
